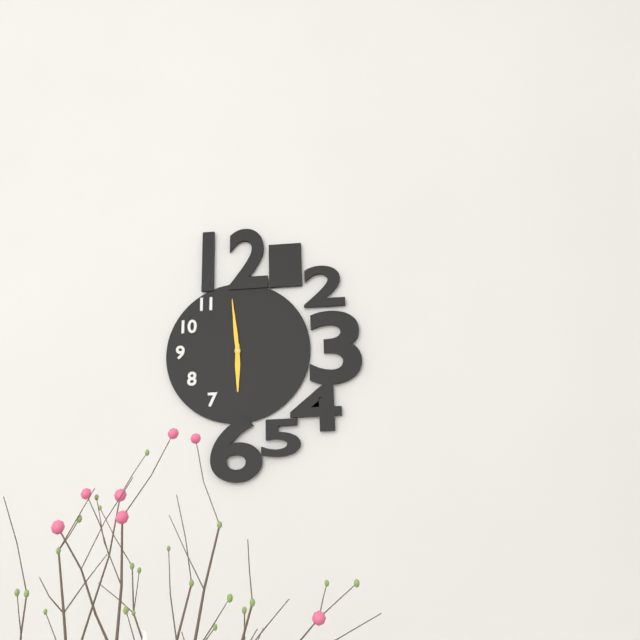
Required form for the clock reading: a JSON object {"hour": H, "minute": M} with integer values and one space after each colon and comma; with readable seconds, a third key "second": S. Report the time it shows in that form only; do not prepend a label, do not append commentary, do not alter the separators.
{"hour": 5, "minute": 59}
